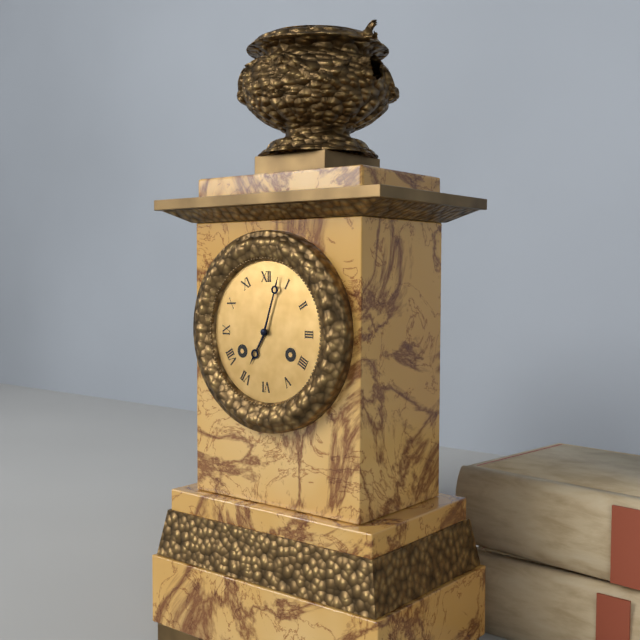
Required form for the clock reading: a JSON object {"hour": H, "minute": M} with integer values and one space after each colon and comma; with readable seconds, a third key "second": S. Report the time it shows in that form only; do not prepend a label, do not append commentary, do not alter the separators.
{"hour": 7, "minute": 3}
